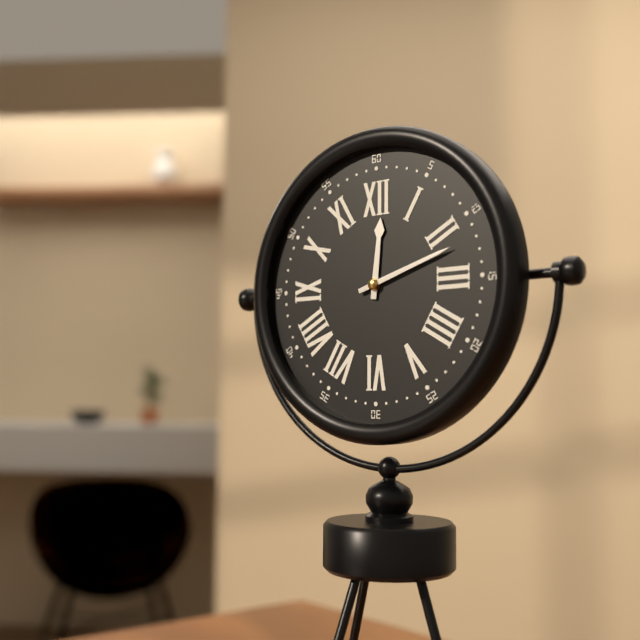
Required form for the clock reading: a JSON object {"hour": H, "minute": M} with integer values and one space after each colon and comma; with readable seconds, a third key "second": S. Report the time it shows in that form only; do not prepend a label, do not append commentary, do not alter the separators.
{"hour": 12, "minute": 12}
